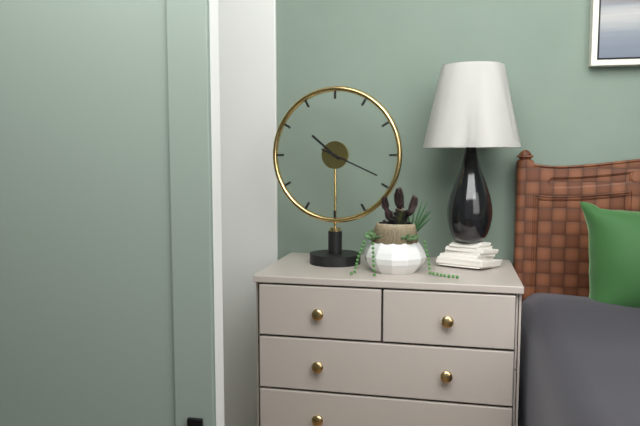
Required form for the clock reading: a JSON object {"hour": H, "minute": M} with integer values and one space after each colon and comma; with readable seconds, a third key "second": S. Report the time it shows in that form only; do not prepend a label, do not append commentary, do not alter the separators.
{"hour": 10, "minute": 19}
